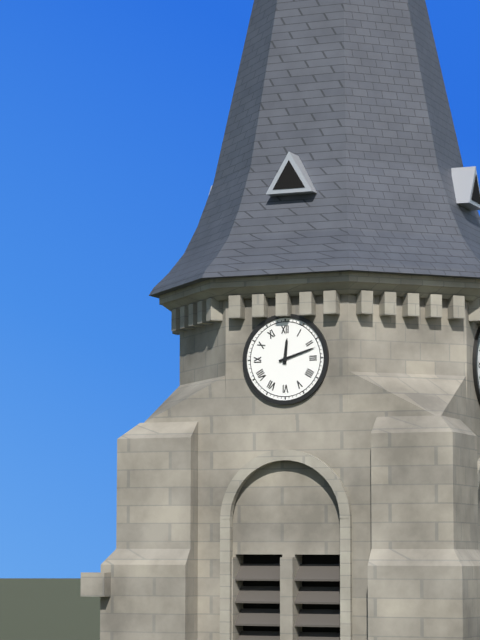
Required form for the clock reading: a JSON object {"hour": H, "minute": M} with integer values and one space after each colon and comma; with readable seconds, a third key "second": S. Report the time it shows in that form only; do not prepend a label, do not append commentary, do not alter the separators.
{"hour": 12, "minute": 12}
